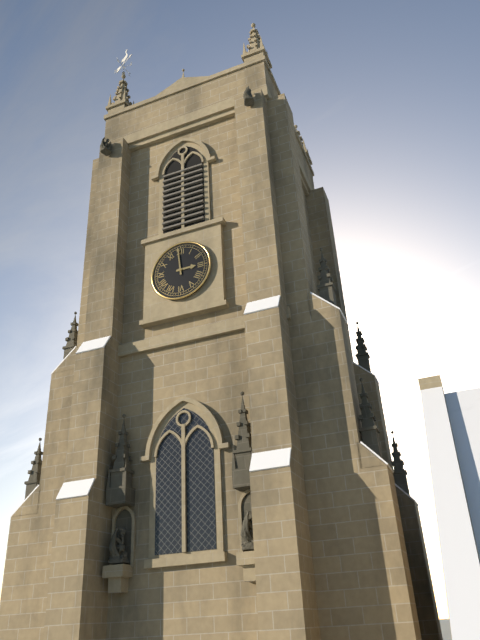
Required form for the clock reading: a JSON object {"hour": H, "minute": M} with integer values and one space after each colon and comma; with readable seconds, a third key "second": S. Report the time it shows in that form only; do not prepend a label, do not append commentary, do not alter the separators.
{"hour": 2, "minute": 59}
